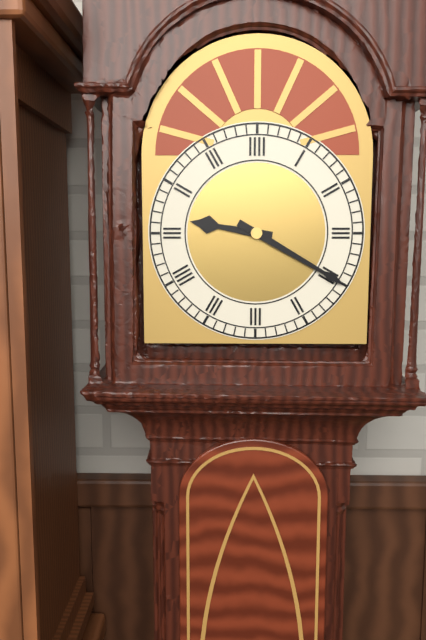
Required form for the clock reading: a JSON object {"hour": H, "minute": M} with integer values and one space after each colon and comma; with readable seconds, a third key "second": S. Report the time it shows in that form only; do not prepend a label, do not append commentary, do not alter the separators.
{"hour": 9, "minute": 20}
